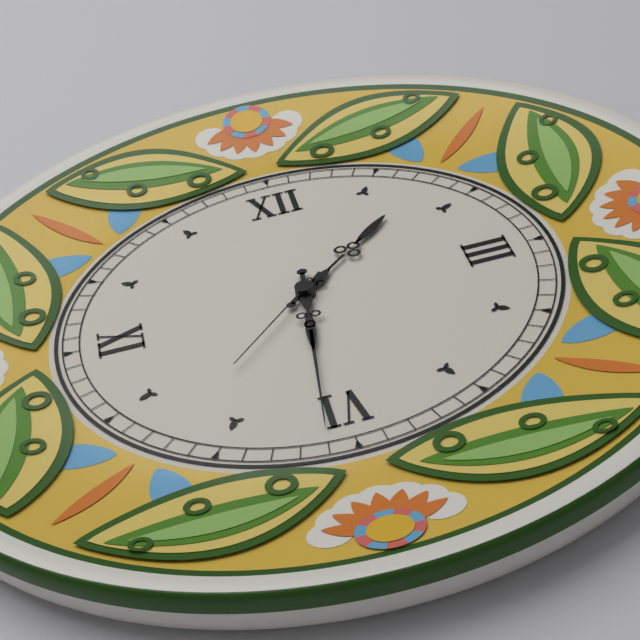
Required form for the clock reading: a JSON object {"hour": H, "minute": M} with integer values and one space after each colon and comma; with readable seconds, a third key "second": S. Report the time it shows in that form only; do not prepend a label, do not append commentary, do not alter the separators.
{"hour": 1, "minute": 31, "second": 37}
